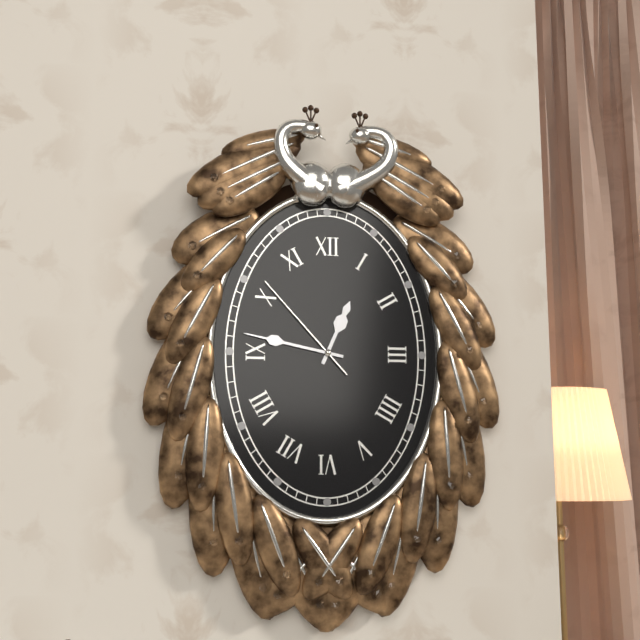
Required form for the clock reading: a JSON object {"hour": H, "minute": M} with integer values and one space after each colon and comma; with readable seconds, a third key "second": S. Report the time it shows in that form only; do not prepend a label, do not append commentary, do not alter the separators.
{"hour": 12, "minute": 47, "second": 53}
